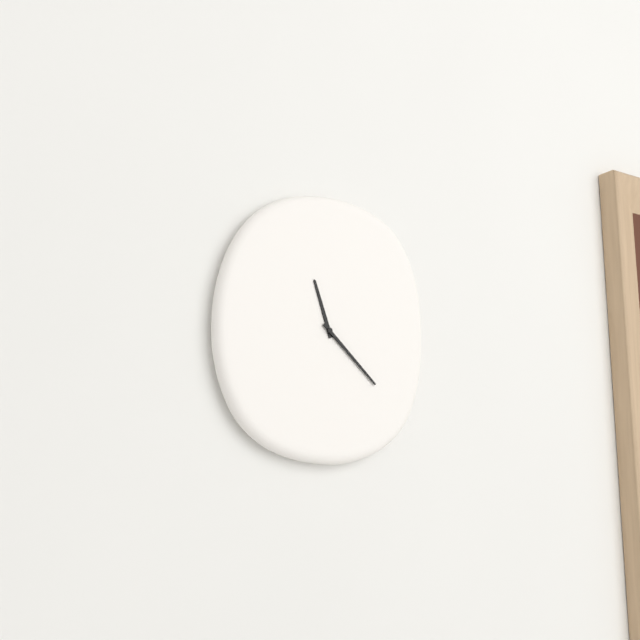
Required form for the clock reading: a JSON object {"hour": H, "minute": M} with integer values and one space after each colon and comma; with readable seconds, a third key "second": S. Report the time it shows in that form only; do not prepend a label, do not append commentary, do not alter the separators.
{"hour": 11, "minute": 22}
